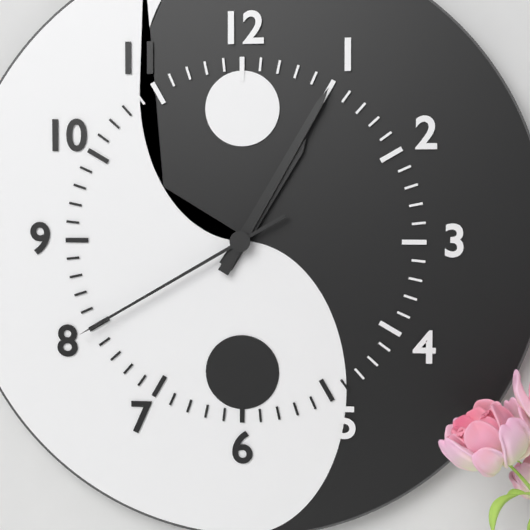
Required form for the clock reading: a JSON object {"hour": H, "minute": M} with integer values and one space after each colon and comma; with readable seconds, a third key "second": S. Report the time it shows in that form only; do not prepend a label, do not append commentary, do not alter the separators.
{"hour": 1, "minute": 5, "second": 40}
